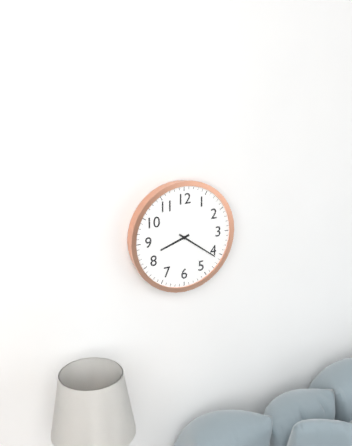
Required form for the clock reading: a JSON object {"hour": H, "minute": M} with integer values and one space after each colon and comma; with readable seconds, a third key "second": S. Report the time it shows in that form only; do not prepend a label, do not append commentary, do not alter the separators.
{"hour": 8, "minute": 21}
